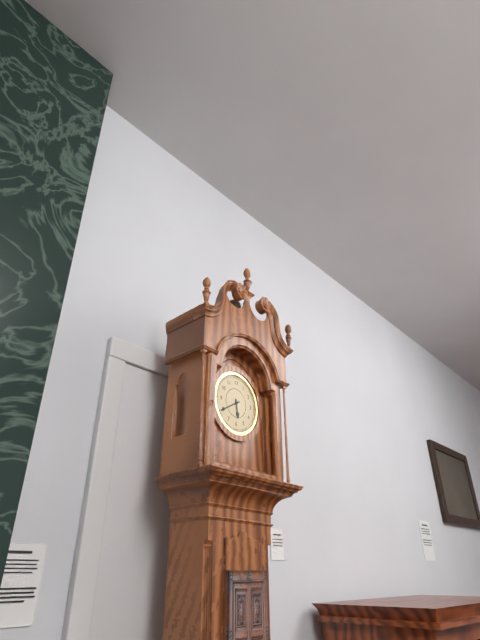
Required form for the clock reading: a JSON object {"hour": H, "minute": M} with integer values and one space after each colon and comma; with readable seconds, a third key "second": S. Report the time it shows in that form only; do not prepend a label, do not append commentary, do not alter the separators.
{"hour": 5, "minute": 40}
